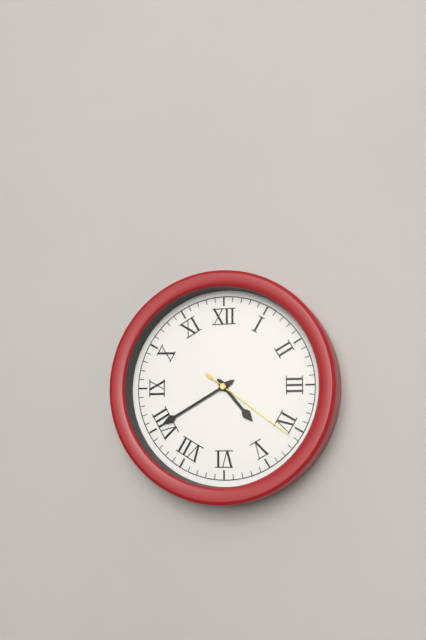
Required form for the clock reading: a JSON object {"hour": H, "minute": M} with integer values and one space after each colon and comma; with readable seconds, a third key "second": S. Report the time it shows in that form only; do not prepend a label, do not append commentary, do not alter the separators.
{"hour": 4, "minute": 40, "second": 21}
